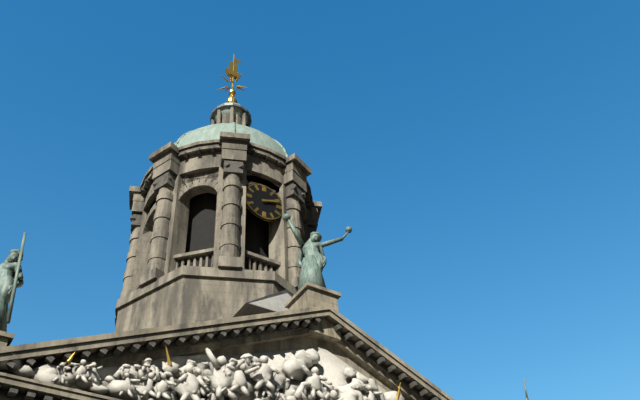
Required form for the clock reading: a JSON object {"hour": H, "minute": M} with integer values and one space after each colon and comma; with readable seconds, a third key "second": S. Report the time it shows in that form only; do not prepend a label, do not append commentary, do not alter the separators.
{"hour": 2, "minute": 12}
